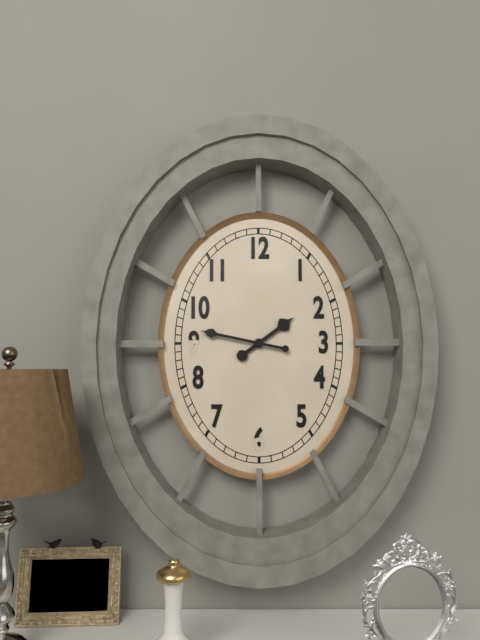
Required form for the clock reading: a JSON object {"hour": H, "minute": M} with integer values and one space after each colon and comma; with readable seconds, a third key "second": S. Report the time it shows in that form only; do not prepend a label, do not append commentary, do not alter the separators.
{"hour": 1, "minute": 47}
